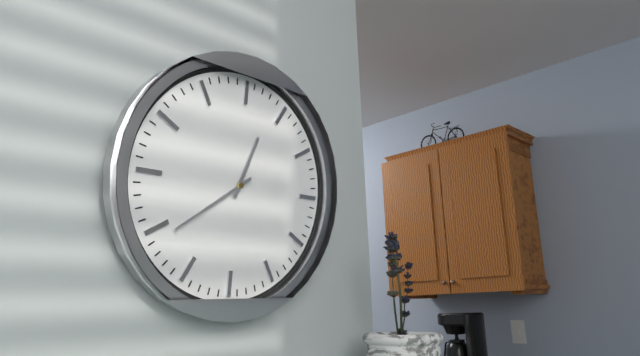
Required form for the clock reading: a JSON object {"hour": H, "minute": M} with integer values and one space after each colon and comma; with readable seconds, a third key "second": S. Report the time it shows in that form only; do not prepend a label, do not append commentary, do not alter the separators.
{"hour": 12, "minute": 39}
